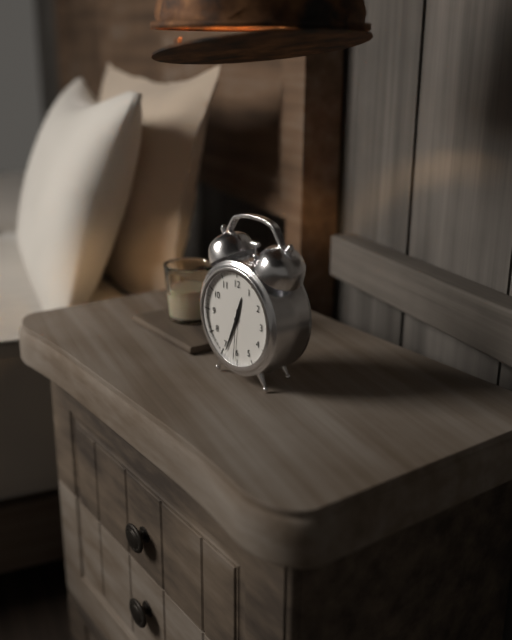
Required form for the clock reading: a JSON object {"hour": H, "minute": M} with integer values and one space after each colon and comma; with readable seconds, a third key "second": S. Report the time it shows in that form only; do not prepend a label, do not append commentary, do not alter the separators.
{"hour": 12, "minute": 34, "second": 31}
